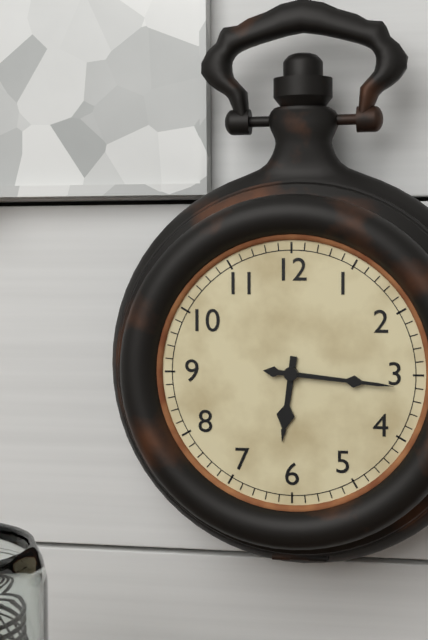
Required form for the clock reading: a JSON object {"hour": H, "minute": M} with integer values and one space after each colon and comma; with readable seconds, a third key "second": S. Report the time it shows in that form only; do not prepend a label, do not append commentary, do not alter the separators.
{"hour": 6, "minute": 16}
